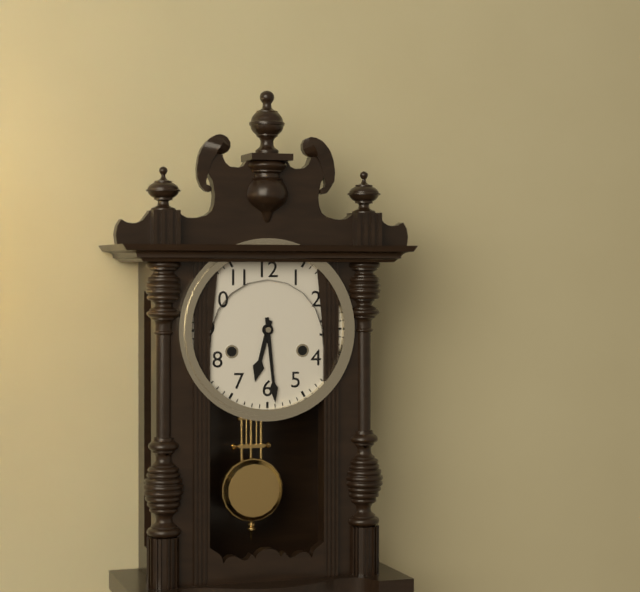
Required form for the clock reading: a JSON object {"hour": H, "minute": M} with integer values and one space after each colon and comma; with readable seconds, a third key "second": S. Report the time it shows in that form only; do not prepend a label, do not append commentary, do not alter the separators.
{"hour": 6, "minute": 29}
